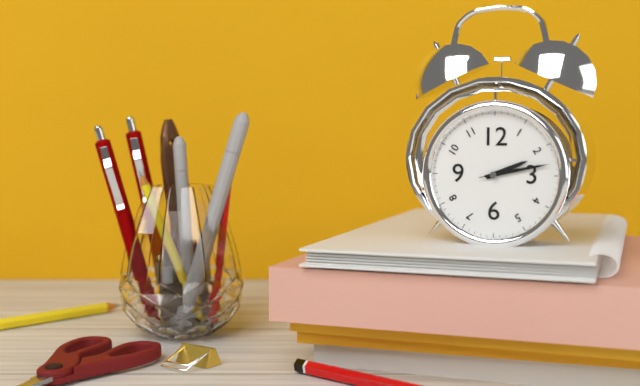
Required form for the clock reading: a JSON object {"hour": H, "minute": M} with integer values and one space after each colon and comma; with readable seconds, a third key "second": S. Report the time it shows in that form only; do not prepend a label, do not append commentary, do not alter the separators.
{"hour": 2, "minute": 13, "second": 13}
